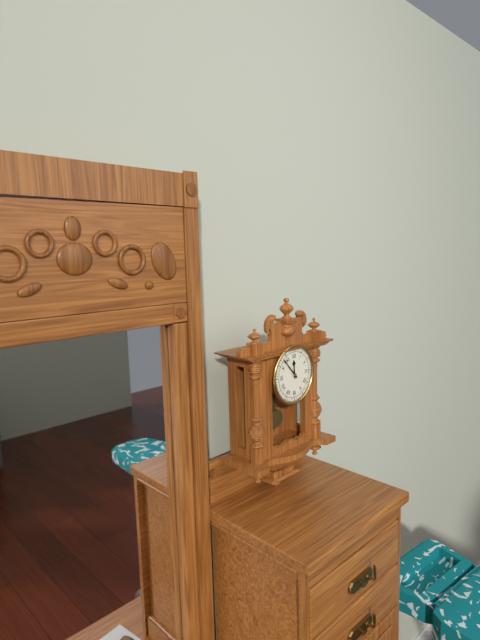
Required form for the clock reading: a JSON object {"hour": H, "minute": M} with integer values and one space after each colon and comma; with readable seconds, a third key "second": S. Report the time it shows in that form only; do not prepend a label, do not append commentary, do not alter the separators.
{"hour": 11, "minute": 53}
